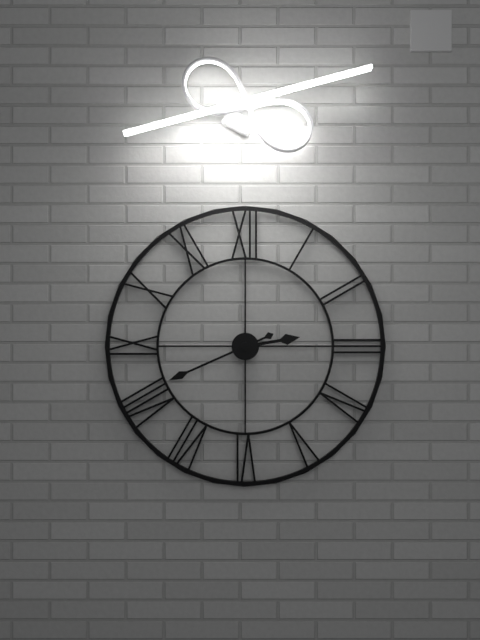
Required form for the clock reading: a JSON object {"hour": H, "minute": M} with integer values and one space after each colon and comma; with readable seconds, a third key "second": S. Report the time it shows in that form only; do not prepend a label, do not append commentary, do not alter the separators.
{"hour": 2, "minute": 41}
